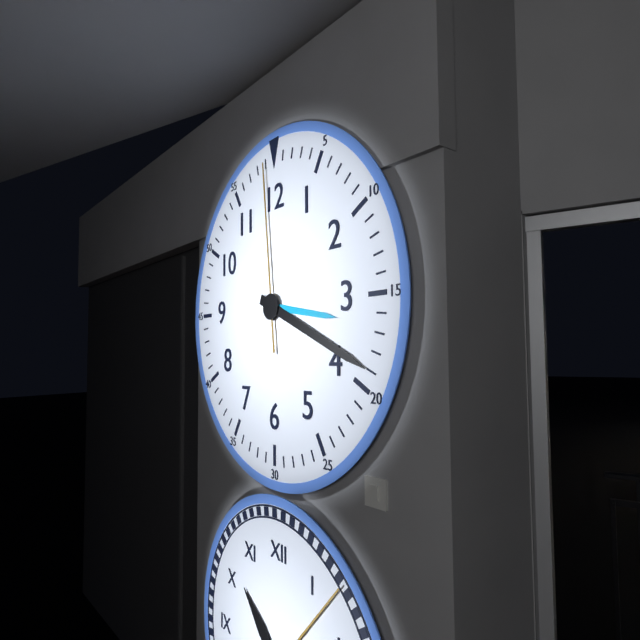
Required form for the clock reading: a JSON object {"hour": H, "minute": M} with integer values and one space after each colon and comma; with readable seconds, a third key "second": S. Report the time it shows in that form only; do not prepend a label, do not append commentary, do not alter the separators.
{"hour": 3, "minute": 19, "second": 59}
